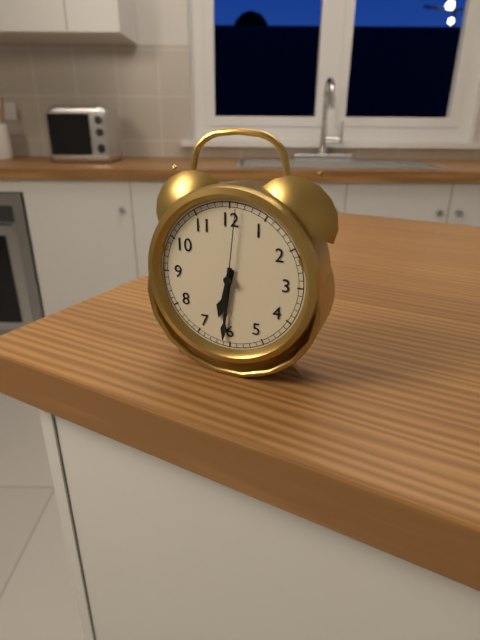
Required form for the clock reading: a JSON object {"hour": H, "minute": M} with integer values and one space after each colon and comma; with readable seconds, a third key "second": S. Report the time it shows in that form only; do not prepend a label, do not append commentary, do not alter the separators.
{"hour": 6, "minute": 31, "second": 1}
